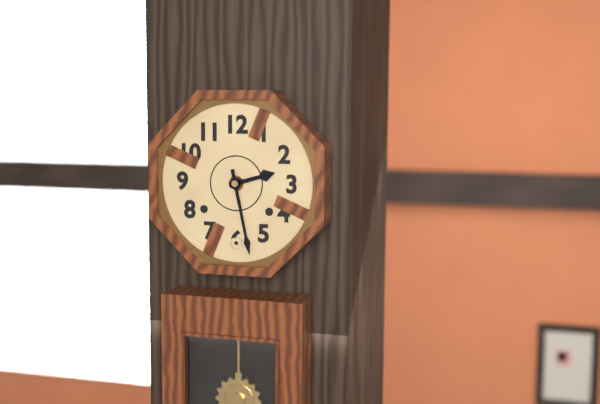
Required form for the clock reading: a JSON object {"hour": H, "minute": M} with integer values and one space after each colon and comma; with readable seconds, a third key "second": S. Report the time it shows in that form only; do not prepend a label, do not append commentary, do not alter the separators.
{"hour": 2, "minute": 28}
